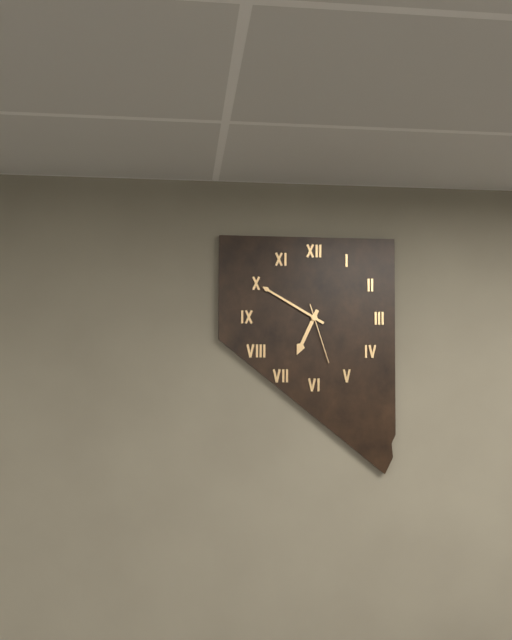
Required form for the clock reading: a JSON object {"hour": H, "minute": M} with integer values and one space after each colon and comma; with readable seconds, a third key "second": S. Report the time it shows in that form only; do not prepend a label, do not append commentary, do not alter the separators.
{"hour": 6, "minute": 50, "second": 27}
